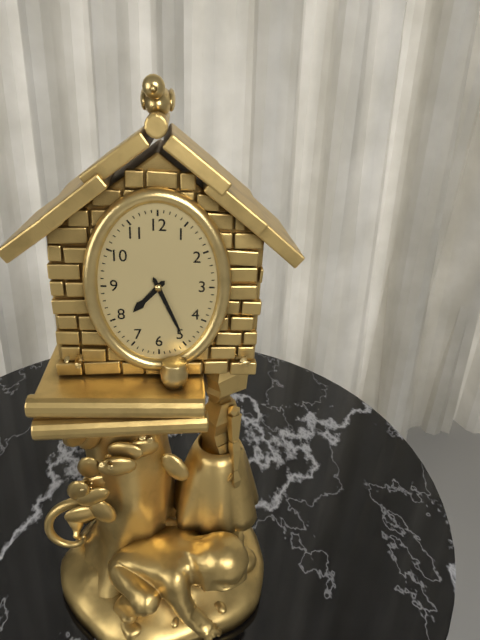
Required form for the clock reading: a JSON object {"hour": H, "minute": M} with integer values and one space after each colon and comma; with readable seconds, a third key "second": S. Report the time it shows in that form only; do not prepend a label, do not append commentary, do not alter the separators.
{"hour": 7, "minute": 26}
